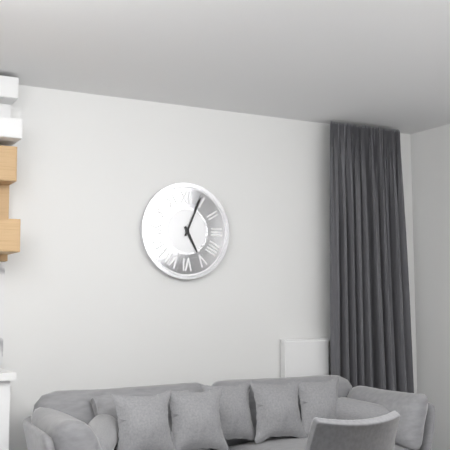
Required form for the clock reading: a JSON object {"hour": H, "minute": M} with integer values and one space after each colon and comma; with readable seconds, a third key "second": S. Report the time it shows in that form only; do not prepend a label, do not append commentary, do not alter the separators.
{"hour": 5, "minute": 4}
